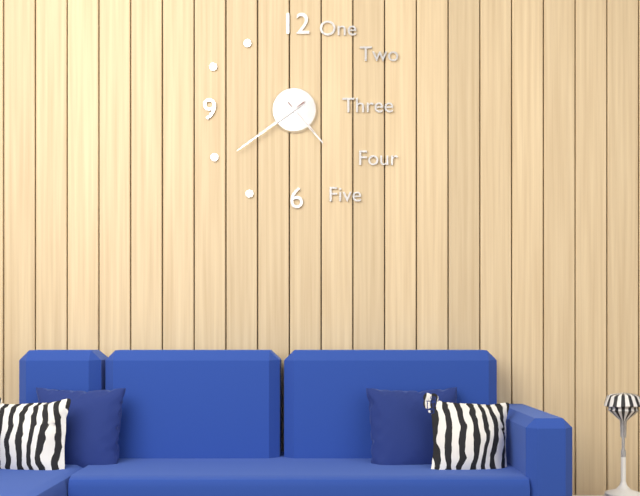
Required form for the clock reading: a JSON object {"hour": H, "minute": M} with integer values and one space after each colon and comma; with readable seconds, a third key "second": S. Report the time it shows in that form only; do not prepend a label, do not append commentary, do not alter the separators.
{"hour": 4, "minute": 39}
